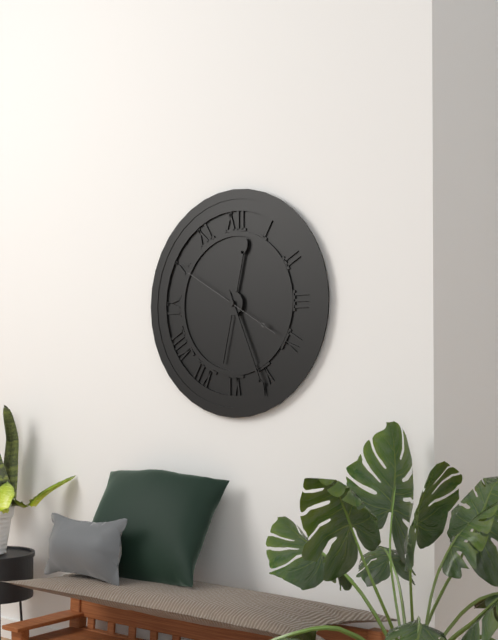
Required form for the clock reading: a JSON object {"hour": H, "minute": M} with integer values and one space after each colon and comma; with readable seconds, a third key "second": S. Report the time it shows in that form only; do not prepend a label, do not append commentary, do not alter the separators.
{"hour": 12, "minute": 26, "second": 50}
